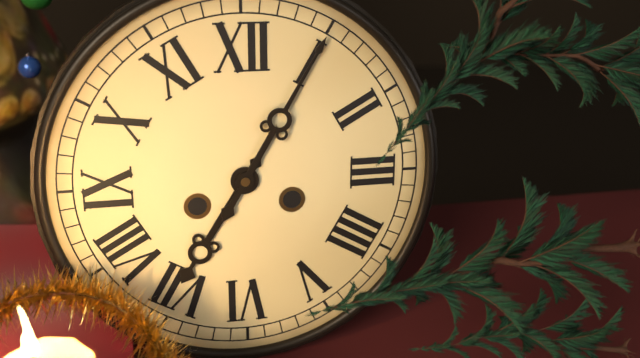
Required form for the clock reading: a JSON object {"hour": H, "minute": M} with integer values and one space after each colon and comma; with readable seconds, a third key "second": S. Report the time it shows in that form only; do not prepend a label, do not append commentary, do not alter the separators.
{"hour": 7, "minute": 5}
